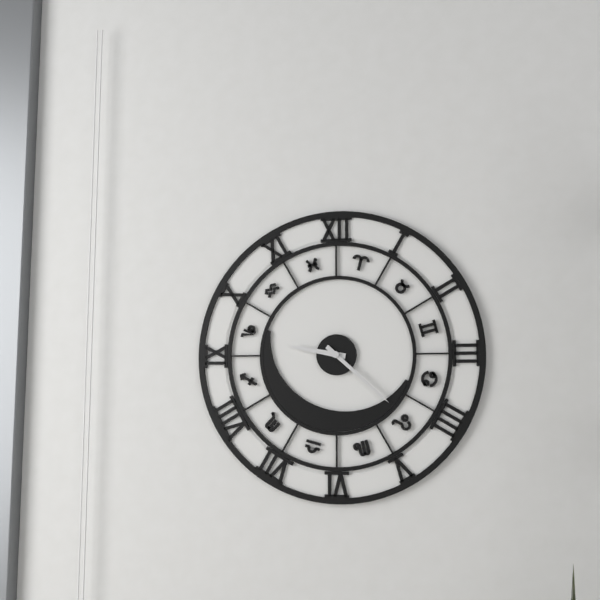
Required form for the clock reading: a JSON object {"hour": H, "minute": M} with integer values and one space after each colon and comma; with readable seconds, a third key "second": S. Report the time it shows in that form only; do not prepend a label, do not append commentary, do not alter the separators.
{"hour": 9, "minute": 22}
